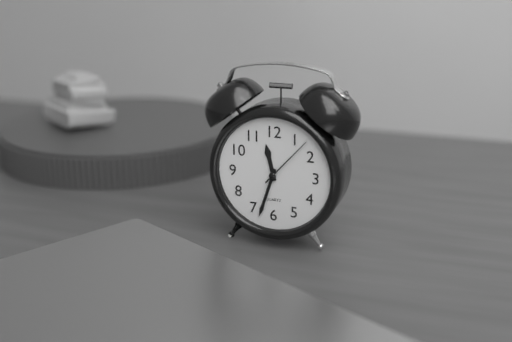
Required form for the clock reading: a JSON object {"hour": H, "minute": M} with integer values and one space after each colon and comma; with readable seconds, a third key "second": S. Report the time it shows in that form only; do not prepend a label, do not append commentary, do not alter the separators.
{"hour": 11, "minute": 33, "second": 7}
